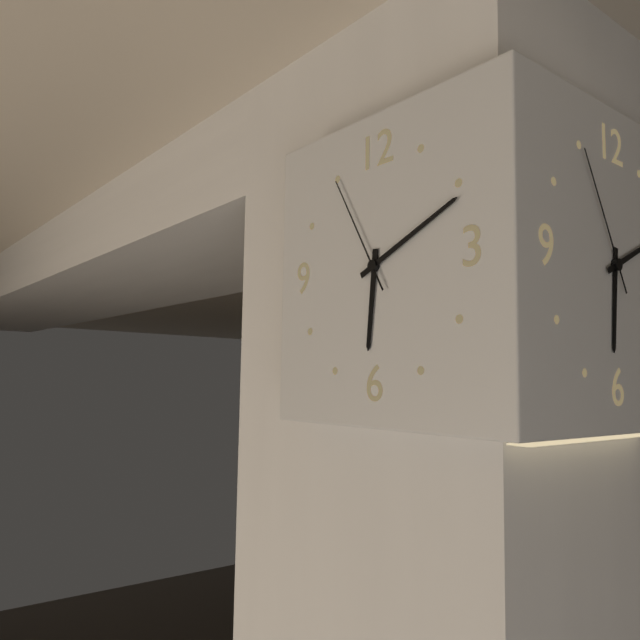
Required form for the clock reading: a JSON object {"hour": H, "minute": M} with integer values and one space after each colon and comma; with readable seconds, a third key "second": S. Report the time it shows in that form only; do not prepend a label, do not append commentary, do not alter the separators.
{"hour": 6, "minute": 11, "second": 55}
